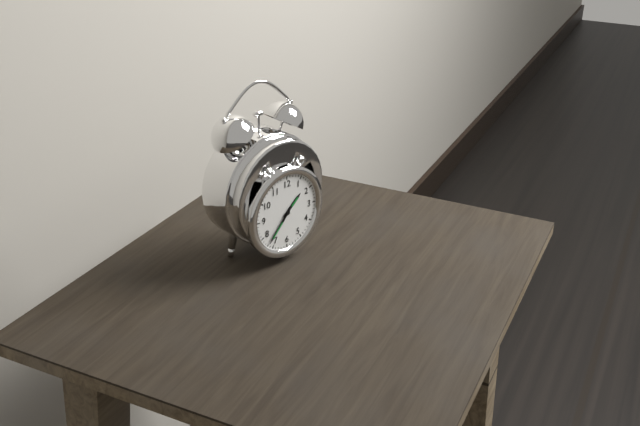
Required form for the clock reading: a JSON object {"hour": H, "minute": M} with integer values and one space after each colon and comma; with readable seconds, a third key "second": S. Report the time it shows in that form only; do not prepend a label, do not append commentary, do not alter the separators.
{"hour": 1, "minute": 37}
